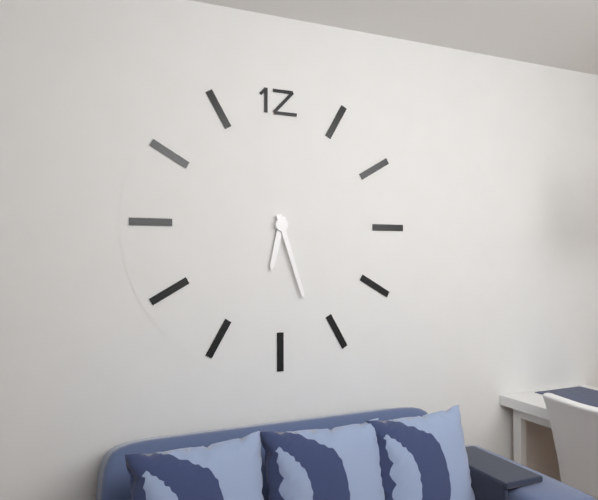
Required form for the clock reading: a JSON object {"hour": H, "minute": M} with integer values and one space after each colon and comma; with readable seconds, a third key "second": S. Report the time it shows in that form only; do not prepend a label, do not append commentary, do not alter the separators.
{"hour": 6, "minute": 27}
